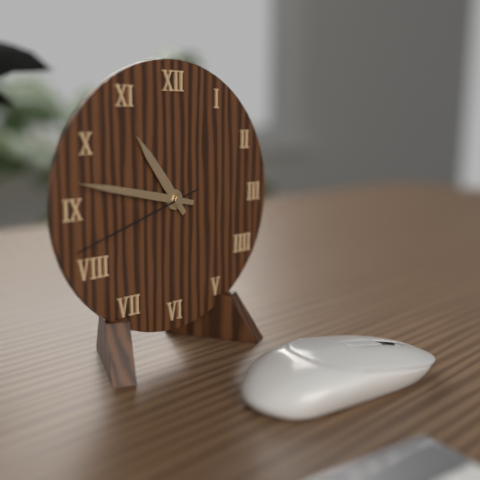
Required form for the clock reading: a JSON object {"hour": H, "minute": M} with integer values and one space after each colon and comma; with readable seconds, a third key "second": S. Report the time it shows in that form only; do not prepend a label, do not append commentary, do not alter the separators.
{"hour": 10, "minute": 47, "second": 42}
